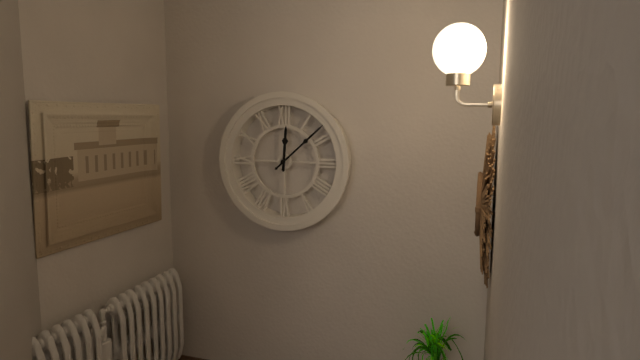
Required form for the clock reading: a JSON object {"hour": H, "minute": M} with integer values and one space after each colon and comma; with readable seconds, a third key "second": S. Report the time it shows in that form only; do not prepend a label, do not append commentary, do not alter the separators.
{"hour": 12, "minute": 8}
